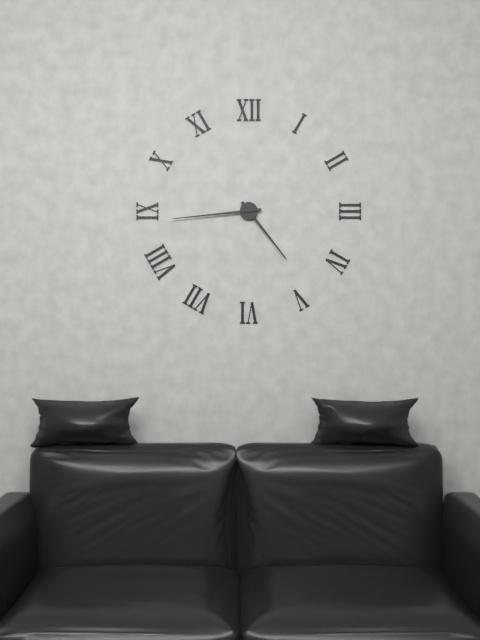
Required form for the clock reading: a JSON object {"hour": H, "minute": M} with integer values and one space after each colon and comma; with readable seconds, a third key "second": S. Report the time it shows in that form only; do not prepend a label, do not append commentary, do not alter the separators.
{"hour": 4, "minute": 44}
